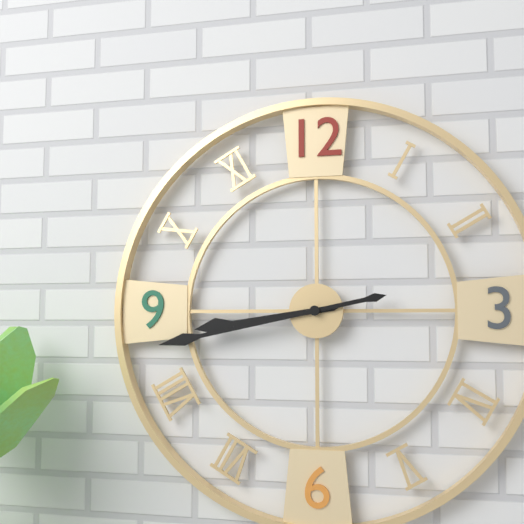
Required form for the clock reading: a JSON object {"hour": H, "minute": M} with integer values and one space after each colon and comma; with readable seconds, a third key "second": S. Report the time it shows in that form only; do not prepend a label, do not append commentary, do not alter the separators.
{"hour": 8, "minute": 43}
